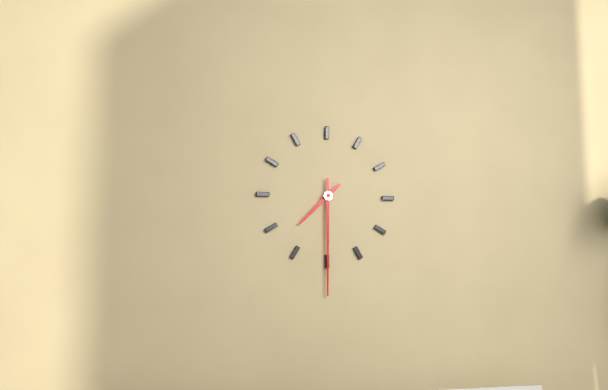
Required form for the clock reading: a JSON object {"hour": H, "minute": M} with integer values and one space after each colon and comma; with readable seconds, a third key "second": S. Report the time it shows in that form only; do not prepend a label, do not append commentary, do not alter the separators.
{"hour": 7, "minute": 30}
